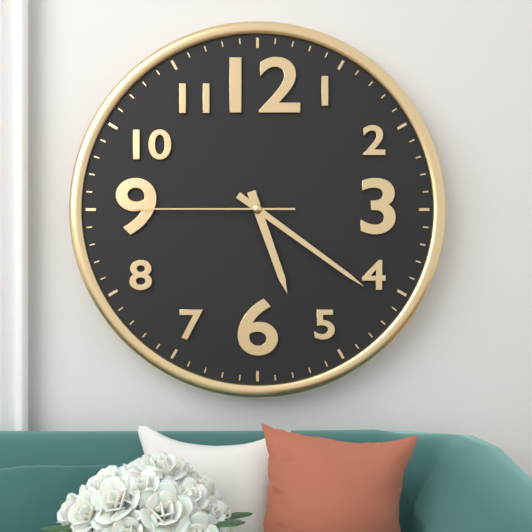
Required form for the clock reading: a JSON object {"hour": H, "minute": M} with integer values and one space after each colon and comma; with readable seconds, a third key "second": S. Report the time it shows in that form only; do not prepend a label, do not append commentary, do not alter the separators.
{"hour": 5, "minute": 21, "second": 45}
